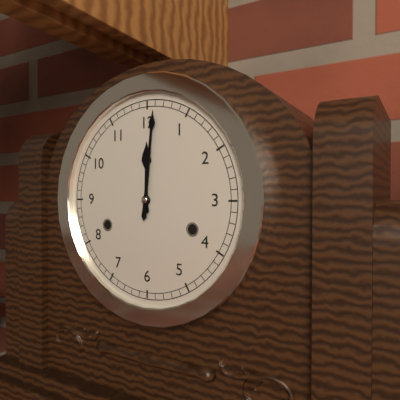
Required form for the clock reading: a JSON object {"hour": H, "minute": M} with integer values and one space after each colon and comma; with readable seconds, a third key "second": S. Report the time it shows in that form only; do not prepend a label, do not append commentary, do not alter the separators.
{"hour": 12, "minute": 1}
